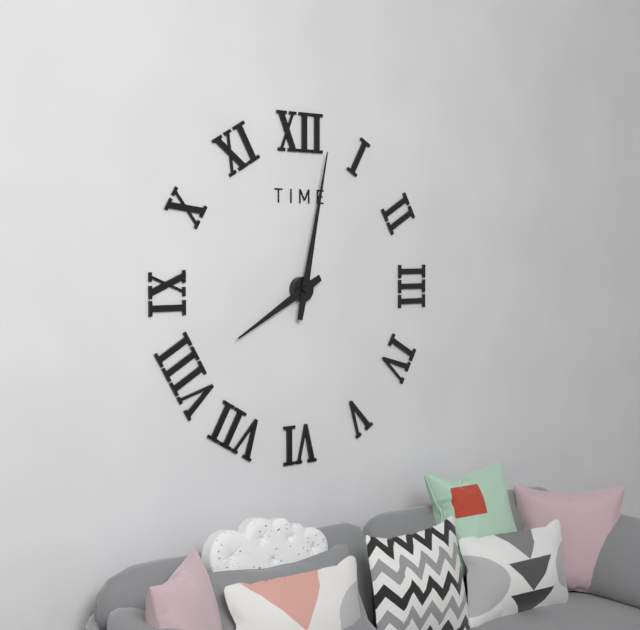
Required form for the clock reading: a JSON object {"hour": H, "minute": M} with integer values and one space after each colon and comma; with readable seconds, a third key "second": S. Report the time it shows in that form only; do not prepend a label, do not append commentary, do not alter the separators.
{"hour": 8, "minute": 2}
